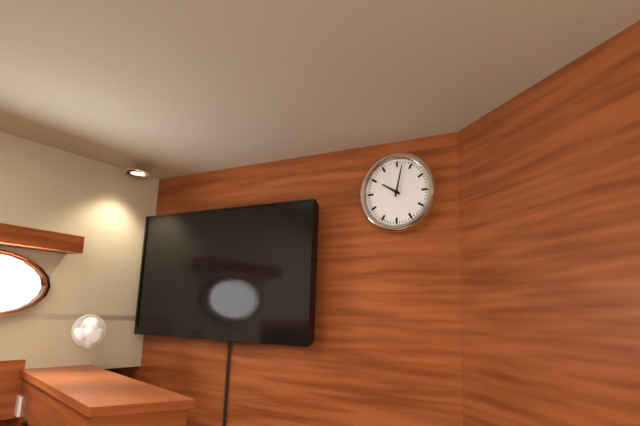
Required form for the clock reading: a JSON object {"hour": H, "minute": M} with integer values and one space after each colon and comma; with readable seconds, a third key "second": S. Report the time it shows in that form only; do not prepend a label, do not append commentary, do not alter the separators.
{"hour": 10, "minute": 2}
